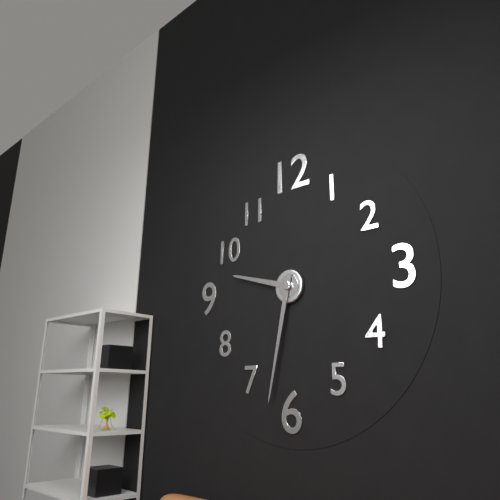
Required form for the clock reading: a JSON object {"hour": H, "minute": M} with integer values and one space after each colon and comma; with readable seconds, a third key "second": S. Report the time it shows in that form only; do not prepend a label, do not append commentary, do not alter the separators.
{"hour": 9, "minute": 32}
